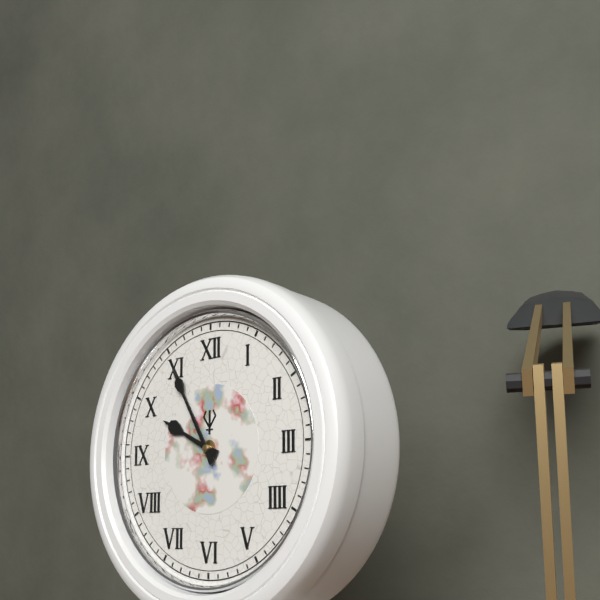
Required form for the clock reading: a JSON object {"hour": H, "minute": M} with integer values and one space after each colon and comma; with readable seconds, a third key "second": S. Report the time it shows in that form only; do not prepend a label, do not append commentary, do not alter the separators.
{"hour": 9, "minute": 55}
